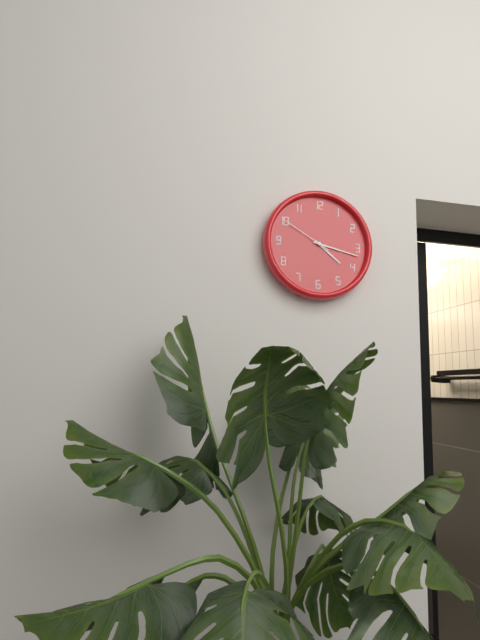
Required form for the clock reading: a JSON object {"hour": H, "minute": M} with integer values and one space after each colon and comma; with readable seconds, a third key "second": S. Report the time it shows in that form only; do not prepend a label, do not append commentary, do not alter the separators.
{"hour": 4, "minute": 17, "second": 50}
